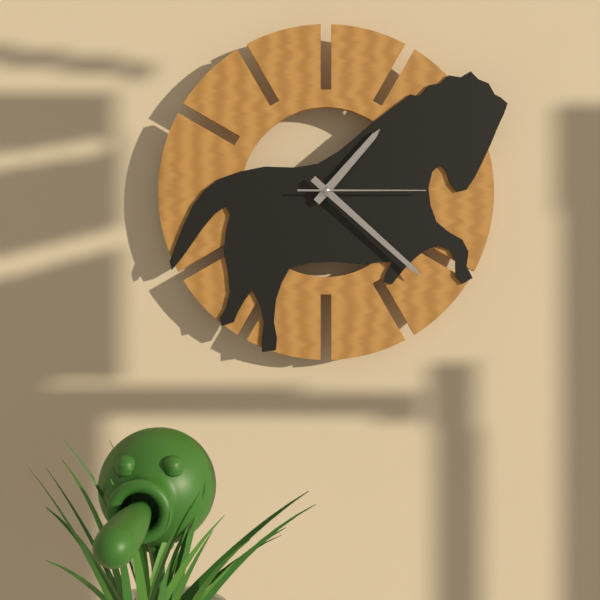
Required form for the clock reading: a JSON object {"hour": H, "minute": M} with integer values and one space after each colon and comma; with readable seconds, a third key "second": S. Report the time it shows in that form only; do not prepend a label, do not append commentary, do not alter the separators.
{"hour": 1, "minute": 22, "second": 15}
